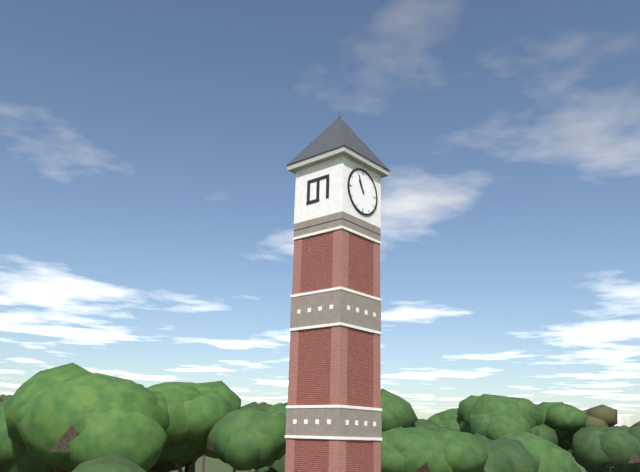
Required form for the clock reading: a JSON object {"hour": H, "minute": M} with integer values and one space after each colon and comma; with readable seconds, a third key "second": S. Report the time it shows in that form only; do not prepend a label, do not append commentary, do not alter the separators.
{"hour": 10, "minute": 56}
